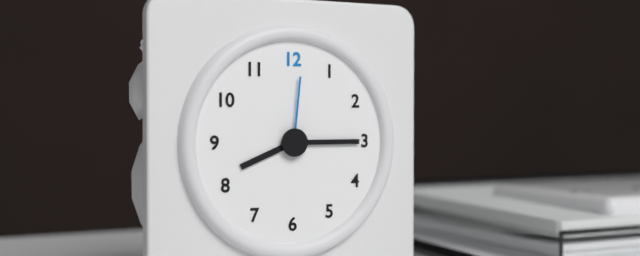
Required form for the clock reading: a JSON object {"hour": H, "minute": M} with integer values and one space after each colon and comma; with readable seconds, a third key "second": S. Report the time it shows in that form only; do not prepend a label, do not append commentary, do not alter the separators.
{"hour": 8, "minute": 15, "second": 1}
